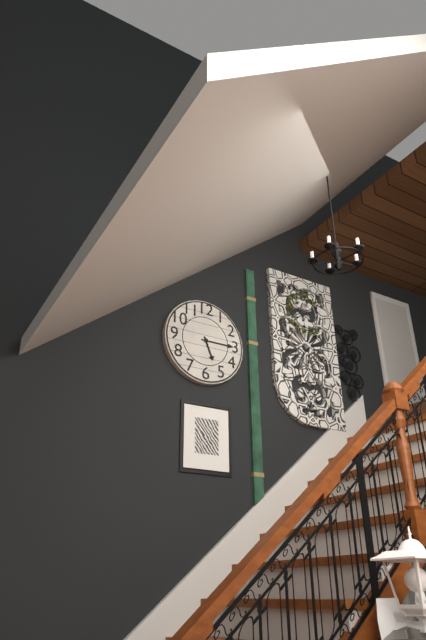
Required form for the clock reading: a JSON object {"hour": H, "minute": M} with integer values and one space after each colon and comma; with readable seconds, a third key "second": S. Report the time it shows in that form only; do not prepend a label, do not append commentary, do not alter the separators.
{"hour": 5, "minute": 15}
